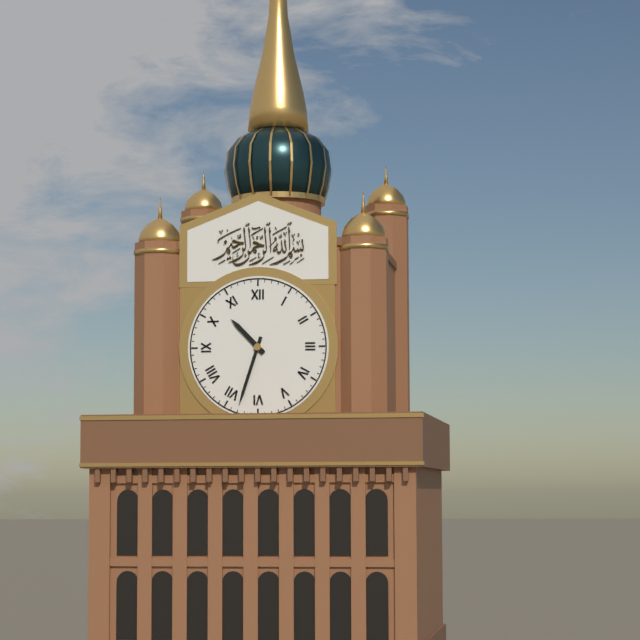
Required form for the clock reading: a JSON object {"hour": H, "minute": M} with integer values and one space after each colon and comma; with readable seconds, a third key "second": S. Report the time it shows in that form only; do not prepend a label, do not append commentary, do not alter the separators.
{"hour": 10, "minute": 33}
